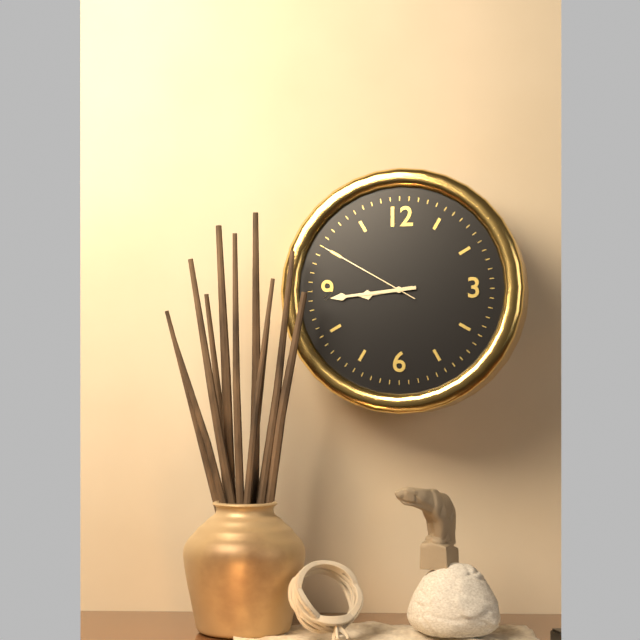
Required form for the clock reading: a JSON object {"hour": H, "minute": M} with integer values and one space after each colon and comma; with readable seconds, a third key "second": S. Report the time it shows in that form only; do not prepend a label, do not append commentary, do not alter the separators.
{"hour": 8, "minute": 44, "second": 50}
